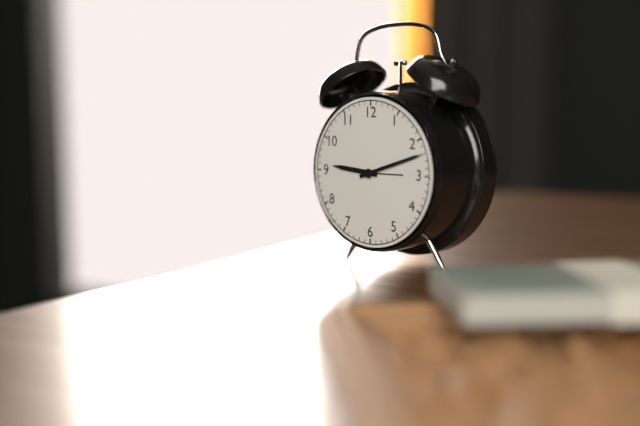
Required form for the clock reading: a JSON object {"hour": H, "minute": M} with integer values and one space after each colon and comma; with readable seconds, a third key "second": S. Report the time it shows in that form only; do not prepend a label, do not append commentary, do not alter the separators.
{"hour": 9, "minute": 12}
